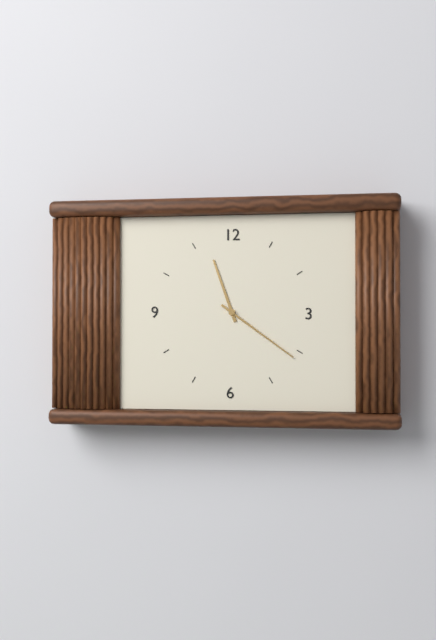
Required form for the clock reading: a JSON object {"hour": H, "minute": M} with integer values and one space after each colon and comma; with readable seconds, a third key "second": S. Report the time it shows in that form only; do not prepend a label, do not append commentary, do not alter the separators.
{"hour": 11, "minute": 21}
